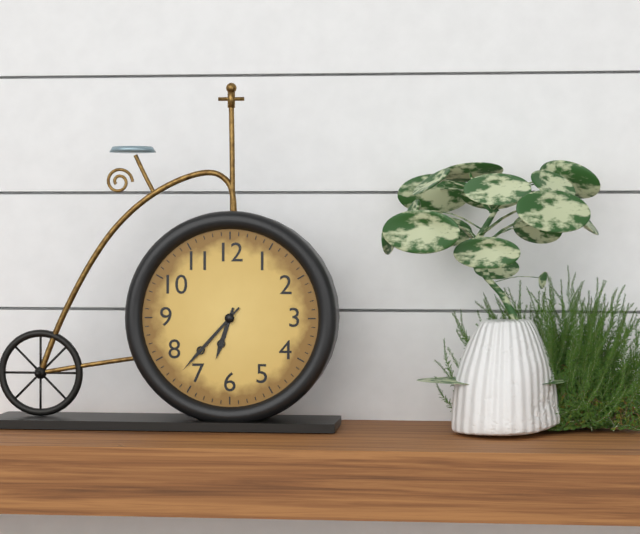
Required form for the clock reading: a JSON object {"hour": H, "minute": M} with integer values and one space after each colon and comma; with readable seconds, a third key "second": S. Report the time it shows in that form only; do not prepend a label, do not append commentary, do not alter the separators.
{"hour": 6, "minute": 37}
